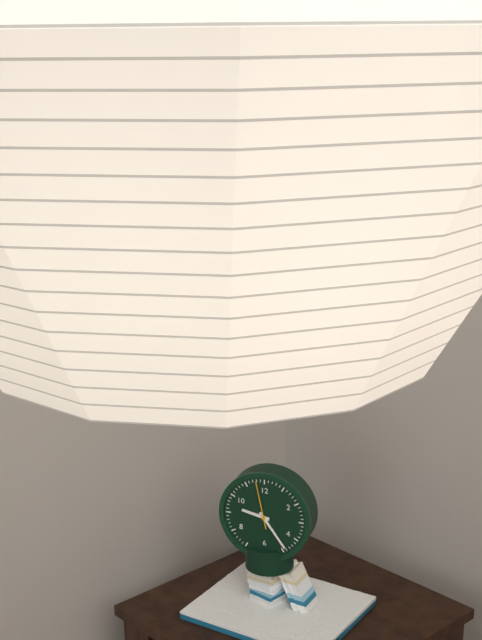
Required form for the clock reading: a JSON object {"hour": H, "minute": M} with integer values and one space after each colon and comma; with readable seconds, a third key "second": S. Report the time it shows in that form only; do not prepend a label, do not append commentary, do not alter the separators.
{"hour": 9, "minute": 24}
